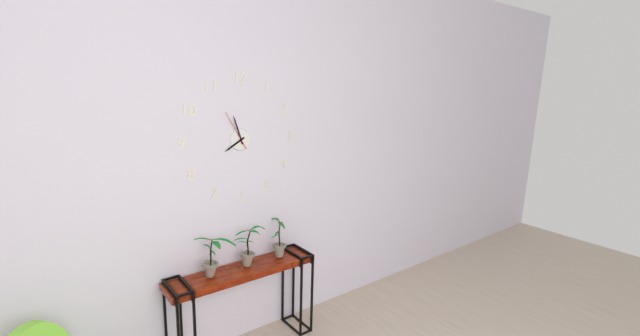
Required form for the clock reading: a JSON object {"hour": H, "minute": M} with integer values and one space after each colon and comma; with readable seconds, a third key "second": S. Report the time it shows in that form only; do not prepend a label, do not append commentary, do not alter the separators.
{"hour": 7, "minute": 57}
